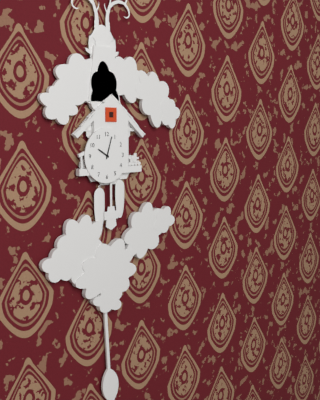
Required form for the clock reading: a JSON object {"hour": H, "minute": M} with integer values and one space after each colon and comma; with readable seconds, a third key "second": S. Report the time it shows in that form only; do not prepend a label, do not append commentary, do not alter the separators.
{"hour": 10, "minute": 3}
